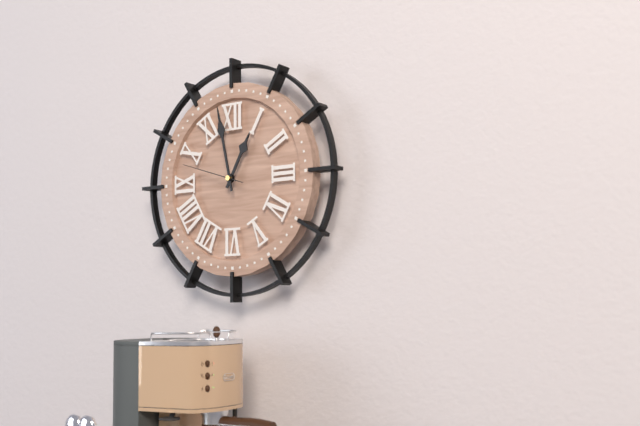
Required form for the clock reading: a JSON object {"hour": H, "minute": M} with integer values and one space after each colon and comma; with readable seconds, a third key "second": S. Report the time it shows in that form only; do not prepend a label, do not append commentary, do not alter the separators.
{"hour": 12, "minute": 58, "second": 48}
